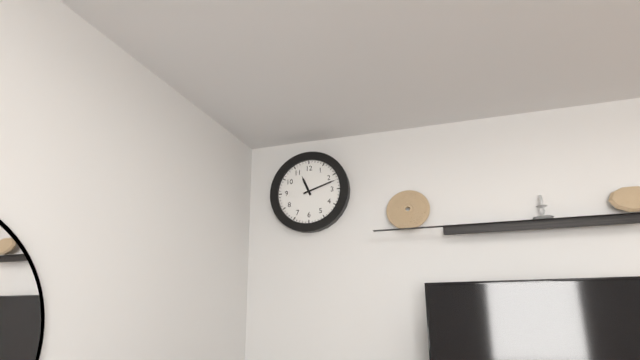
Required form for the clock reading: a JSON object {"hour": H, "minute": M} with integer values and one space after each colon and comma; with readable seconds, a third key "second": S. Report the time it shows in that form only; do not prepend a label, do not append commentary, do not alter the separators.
{"hour": 11, "minute": 12}
